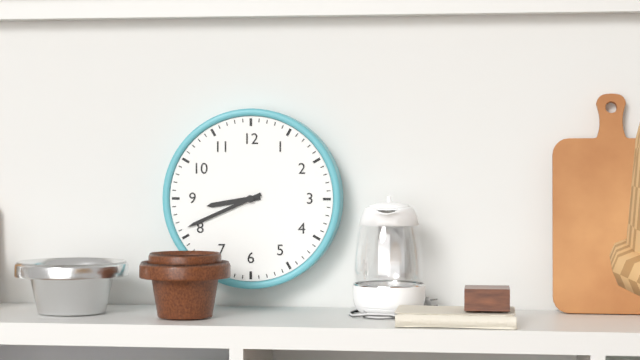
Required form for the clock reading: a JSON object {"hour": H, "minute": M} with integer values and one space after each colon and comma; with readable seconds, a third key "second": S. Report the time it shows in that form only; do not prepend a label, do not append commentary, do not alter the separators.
{"hour": 8, "minute": 41}
